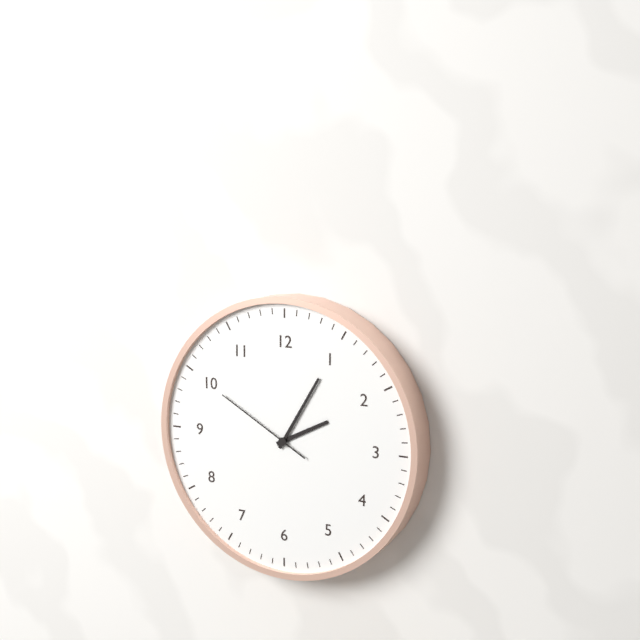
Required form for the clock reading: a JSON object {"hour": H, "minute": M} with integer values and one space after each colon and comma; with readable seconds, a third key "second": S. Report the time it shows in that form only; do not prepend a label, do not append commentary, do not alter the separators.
{"hour": 2, "minute": 5, "second": 50}
